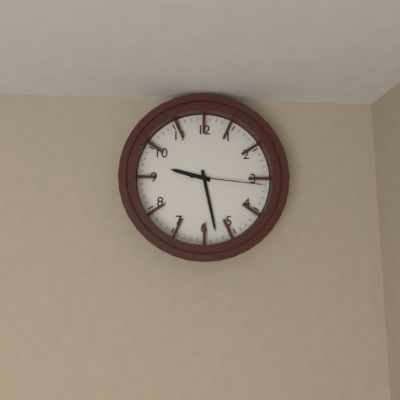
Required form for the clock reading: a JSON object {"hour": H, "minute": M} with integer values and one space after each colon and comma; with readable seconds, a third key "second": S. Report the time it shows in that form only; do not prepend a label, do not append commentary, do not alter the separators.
{"hour": 9, "minute": 28, "second": 16}
